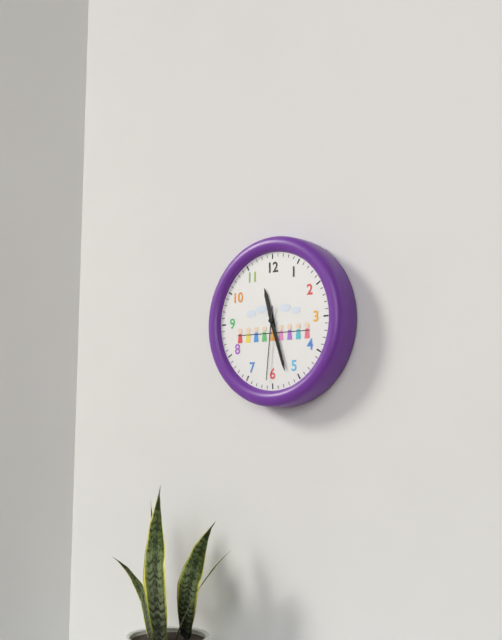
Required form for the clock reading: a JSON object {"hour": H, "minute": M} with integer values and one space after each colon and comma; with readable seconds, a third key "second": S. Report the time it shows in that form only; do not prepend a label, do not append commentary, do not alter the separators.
{"hour": 11, "minute": 27, "second": 31}
